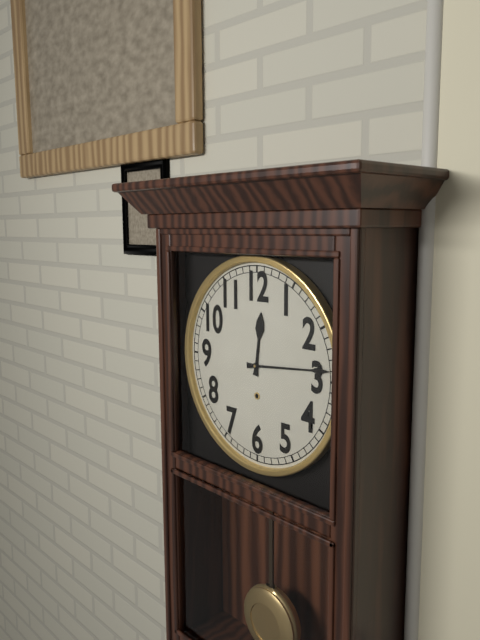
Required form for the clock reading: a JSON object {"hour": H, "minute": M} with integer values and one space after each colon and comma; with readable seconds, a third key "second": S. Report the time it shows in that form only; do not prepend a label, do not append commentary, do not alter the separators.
{"hour": 12, "minute": 14}
